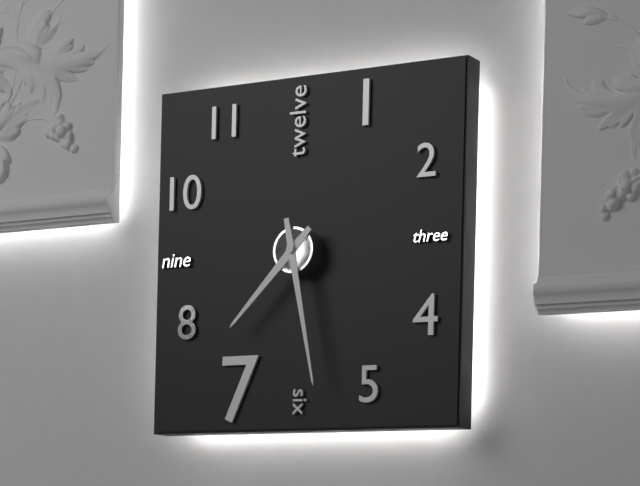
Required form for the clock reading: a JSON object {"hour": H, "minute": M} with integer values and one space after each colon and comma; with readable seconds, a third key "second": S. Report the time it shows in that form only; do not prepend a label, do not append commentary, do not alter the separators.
{"hour": 7, "minute": 28}
